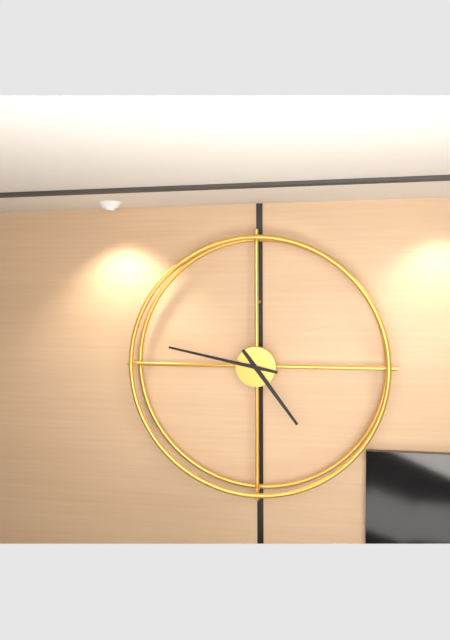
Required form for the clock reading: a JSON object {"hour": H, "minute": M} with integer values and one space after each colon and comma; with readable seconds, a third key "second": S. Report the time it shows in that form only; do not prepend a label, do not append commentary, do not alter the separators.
{"hour": 4, "minute": 47}
